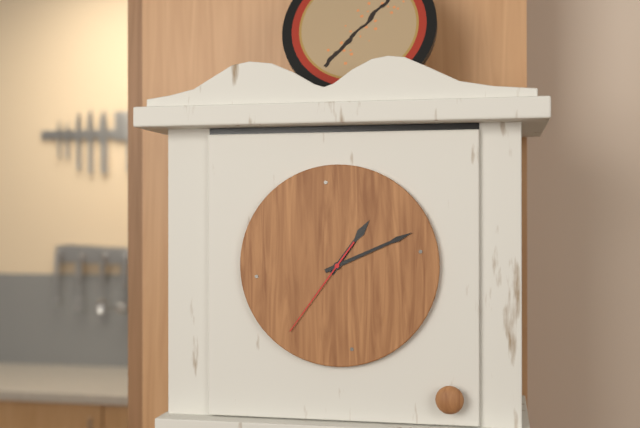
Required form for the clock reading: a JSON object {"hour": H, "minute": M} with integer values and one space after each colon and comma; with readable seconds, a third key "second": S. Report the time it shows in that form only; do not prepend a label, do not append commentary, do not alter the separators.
{"hour": 1, "minute": 11, "second": 36}
